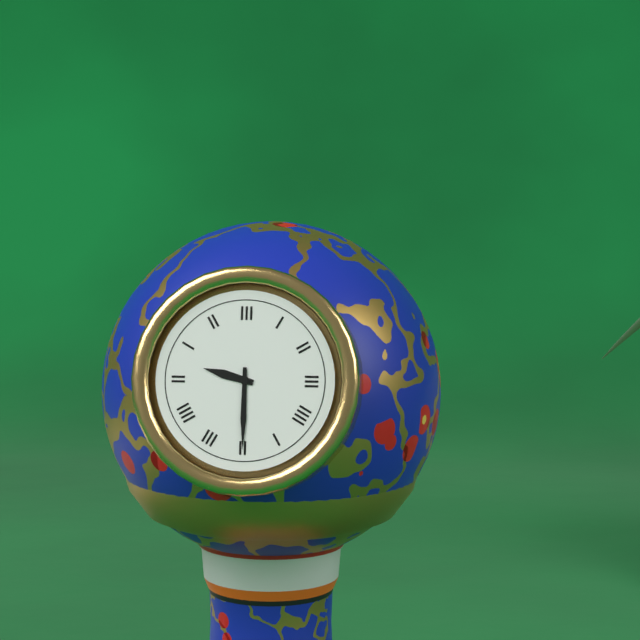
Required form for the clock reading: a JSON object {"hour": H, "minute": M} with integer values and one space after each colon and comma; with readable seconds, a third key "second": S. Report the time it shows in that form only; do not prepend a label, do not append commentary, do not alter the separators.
{"hour": 9, "minute": 30}
